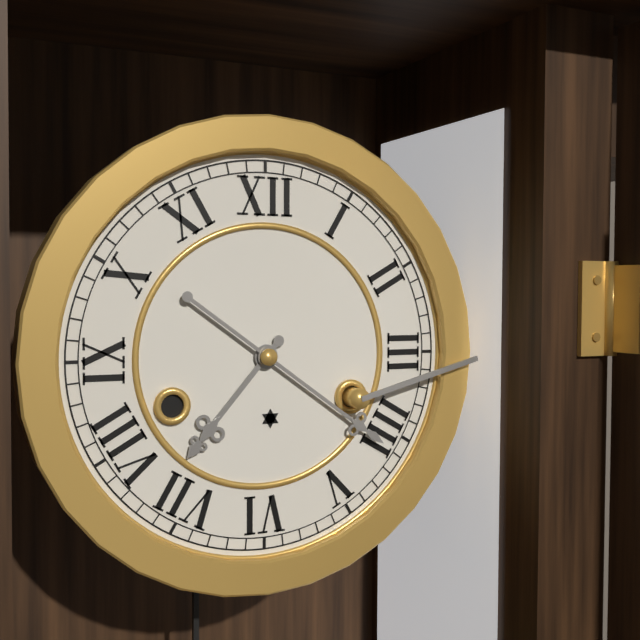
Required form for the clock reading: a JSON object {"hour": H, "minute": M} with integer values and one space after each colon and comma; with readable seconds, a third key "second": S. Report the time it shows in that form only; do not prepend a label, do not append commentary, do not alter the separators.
{"hour": 7, "minute": 21}
